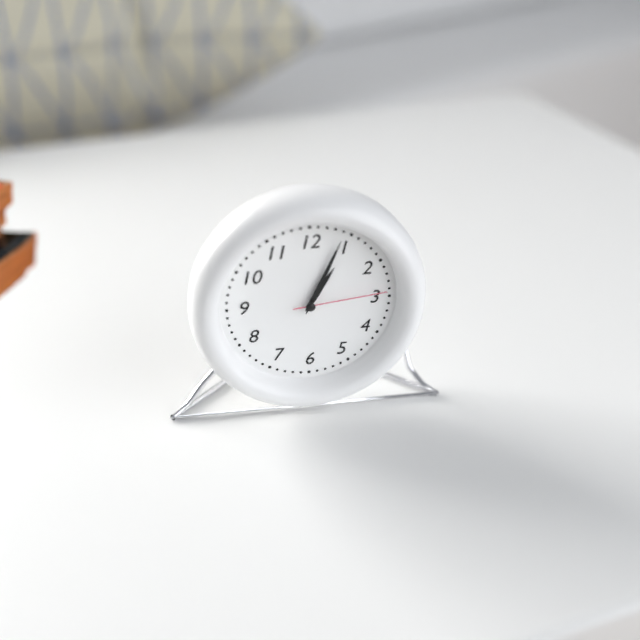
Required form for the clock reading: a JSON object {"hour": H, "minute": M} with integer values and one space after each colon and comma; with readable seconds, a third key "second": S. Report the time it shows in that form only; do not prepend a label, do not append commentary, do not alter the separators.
{"hour": 1, "minute": 4, "second": 14}
